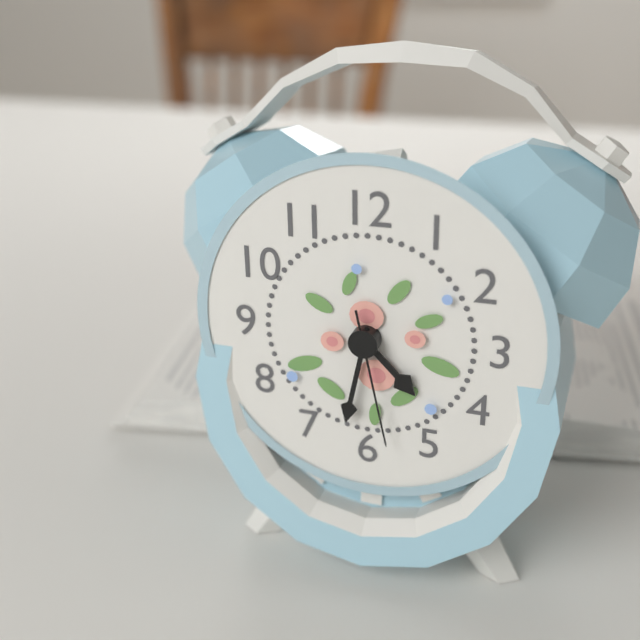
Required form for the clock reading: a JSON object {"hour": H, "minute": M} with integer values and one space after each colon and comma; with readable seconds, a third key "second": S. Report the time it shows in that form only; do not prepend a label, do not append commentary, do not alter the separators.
{"hour": 4, "minute": 32, "second": 28}
